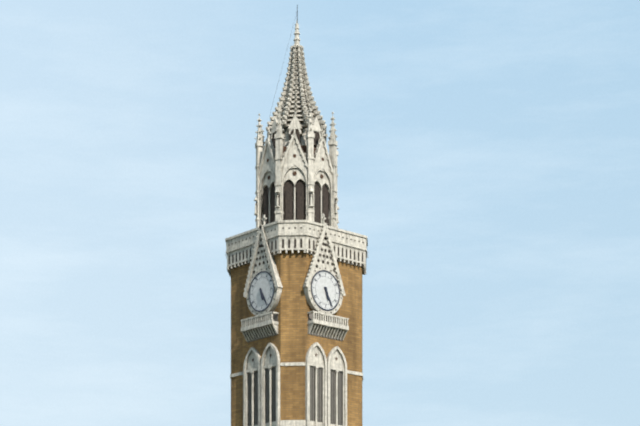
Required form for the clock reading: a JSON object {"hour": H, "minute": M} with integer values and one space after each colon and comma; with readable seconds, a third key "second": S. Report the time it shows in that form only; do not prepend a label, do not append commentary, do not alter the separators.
{"hour": 5, "minute": 25}
